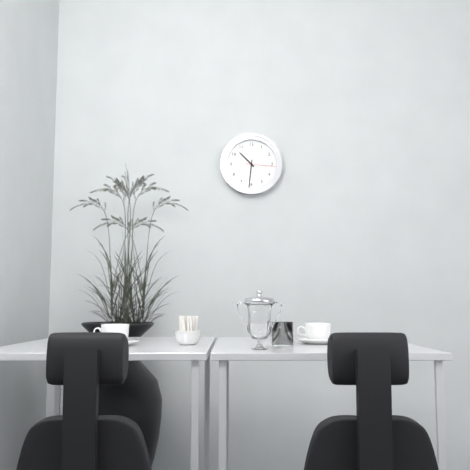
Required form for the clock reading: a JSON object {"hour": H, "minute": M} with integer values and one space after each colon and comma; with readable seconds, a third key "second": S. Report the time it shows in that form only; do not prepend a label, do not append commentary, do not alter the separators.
{"hour": 10, "minute": 31}
